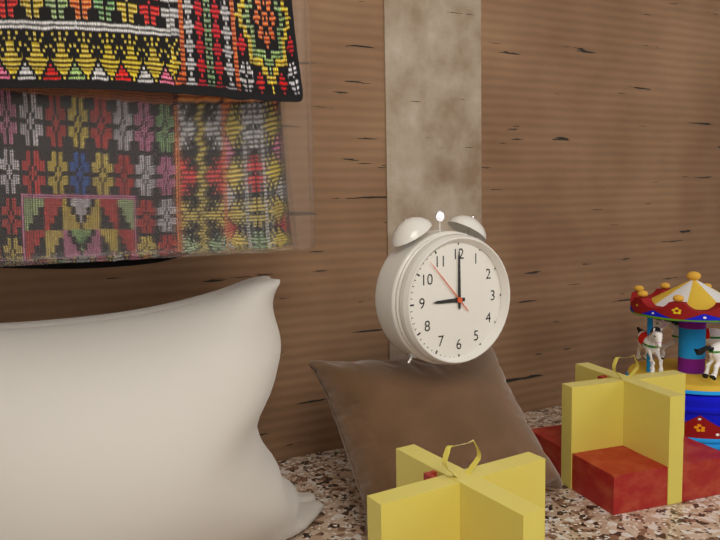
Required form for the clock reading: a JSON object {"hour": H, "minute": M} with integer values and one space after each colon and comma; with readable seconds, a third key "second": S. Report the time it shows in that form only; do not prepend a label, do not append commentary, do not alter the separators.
{"hour": 9, "minute": 0, "second": 53}
